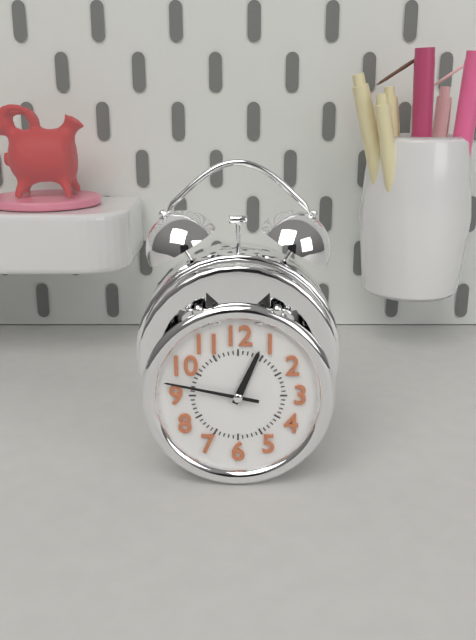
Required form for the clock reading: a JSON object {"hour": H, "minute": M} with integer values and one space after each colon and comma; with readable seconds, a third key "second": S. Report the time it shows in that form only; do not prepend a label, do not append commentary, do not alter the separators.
{"hour": 12, "minute": 47}
